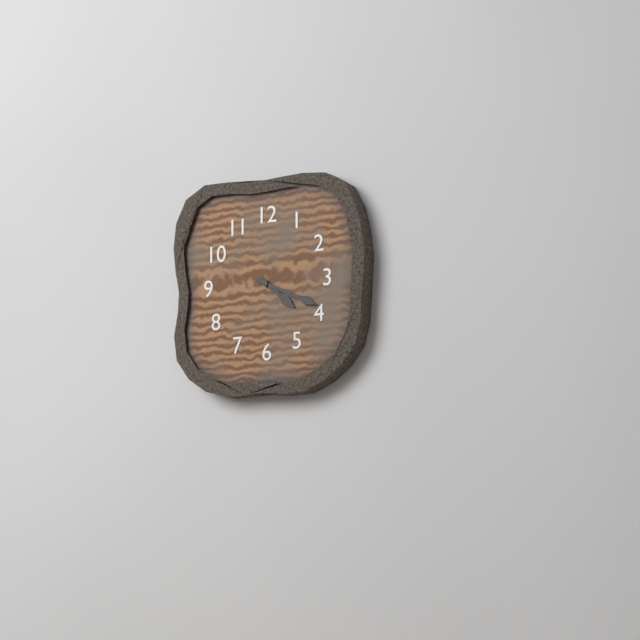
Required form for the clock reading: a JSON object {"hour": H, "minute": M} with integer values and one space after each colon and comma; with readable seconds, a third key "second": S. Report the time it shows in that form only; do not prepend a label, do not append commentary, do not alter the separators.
{"hour": 4, "minute": 19}
